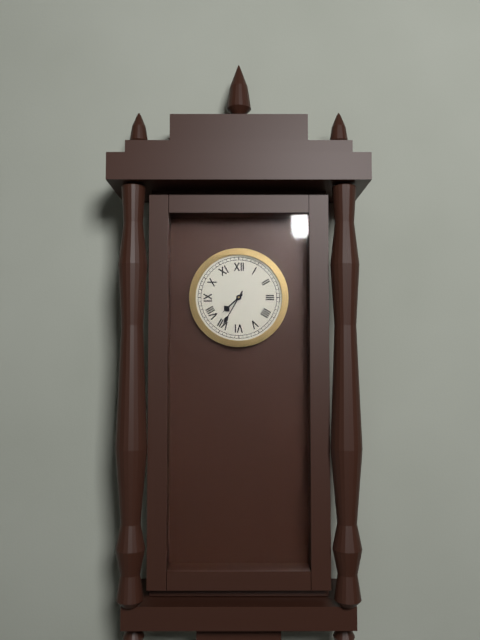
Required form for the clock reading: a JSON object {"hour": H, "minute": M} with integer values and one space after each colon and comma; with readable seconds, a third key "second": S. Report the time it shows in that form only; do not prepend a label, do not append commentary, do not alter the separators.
{"hour": 7, "minute": 35}
